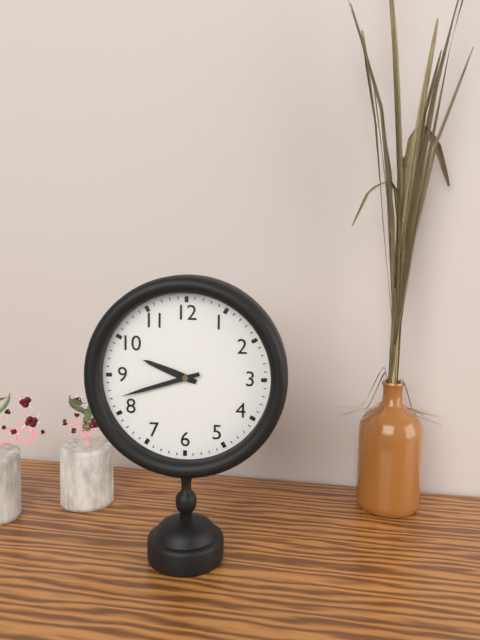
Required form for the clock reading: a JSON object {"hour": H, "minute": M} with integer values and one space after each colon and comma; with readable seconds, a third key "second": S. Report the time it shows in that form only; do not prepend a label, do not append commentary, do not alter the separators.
{"hour": 9, "minute": 42}
